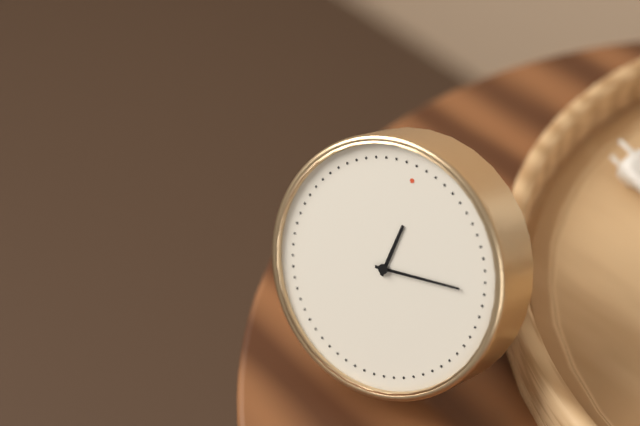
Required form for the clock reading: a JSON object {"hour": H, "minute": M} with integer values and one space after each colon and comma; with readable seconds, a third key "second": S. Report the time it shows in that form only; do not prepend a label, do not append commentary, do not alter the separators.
{"hour": 12, "minute": 13}
